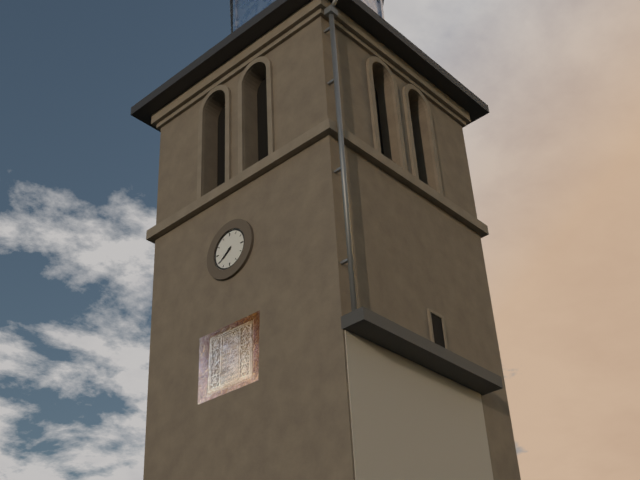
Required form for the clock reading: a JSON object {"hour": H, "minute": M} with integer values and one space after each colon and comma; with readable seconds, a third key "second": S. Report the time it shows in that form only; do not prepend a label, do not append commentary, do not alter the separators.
{"hour": 7, "minute": 39}
